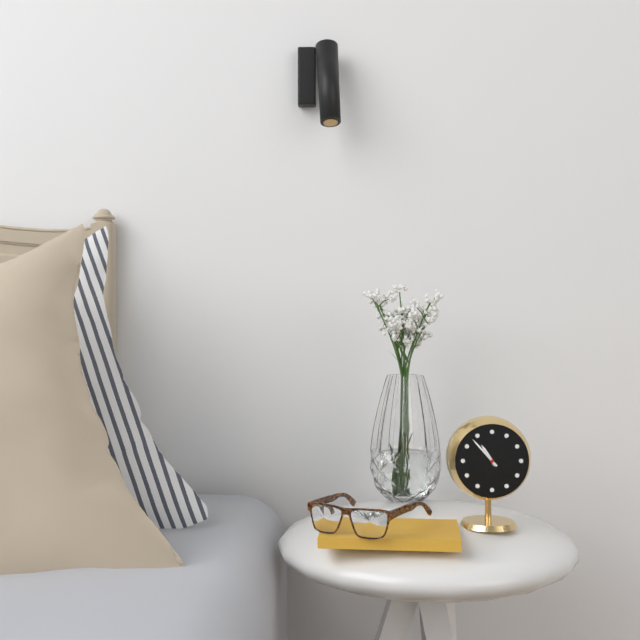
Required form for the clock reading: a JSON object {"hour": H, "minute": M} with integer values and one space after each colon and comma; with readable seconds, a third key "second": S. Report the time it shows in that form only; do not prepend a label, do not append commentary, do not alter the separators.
{"hour": 10, "minute": 53}
